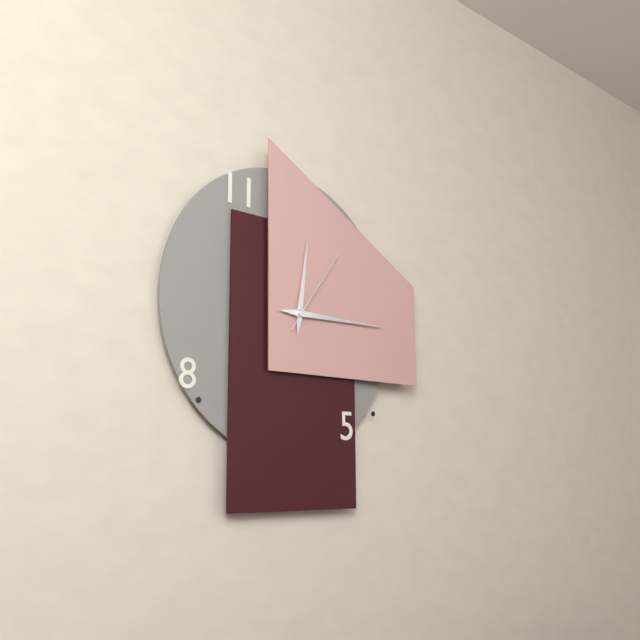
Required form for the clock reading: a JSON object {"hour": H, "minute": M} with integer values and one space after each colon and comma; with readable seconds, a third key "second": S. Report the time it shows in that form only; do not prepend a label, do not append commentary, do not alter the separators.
{"hour": 12, "minute": 15, "second": 6}
